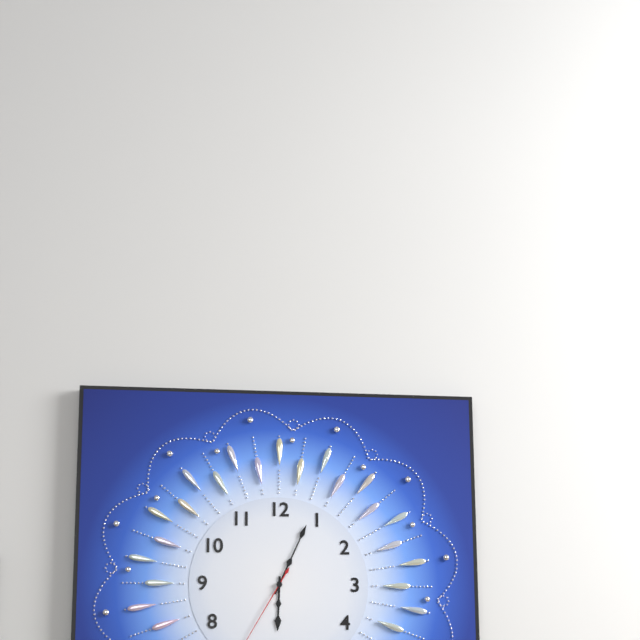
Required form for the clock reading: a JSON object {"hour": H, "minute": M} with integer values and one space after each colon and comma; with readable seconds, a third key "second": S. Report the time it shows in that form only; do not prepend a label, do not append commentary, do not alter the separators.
{"hour": 6, "minute": 4}
